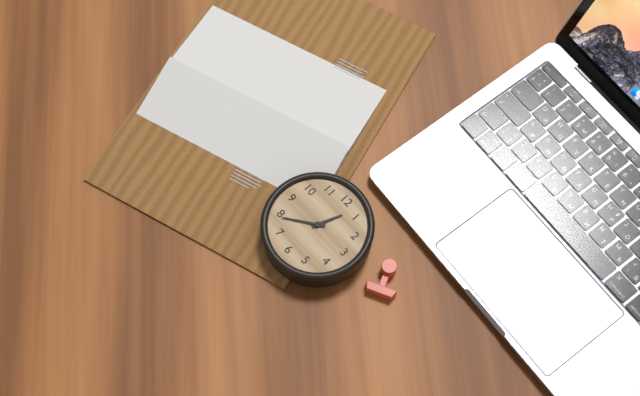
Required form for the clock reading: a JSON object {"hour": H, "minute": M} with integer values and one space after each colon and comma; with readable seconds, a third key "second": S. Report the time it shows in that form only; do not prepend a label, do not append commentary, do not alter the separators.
{"hour": 12, "minute": 39}
